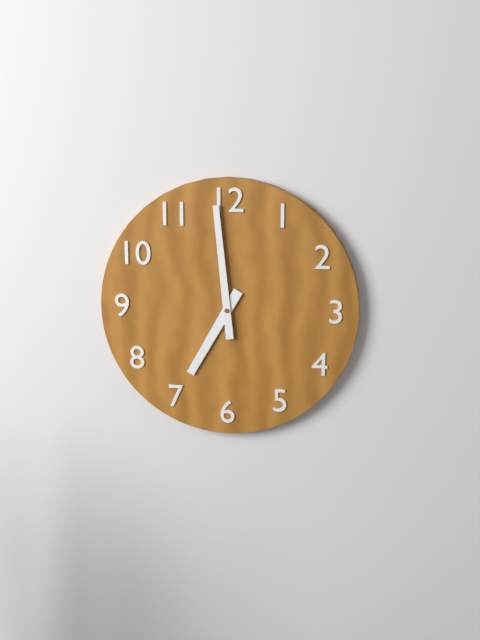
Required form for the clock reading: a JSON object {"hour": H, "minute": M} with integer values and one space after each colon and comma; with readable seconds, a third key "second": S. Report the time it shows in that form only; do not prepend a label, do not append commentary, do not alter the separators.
{"hour": 6, "minute": 59}
